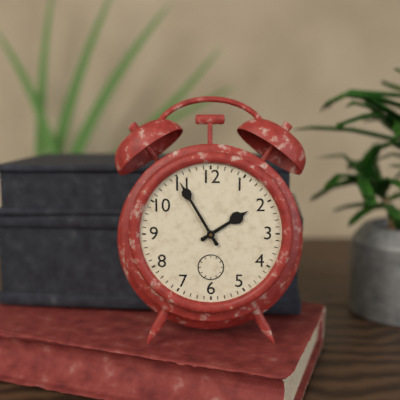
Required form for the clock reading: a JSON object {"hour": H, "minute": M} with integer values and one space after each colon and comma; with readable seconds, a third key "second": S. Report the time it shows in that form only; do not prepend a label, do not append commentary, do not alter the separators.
{"hour": 1, "minute": 55}
